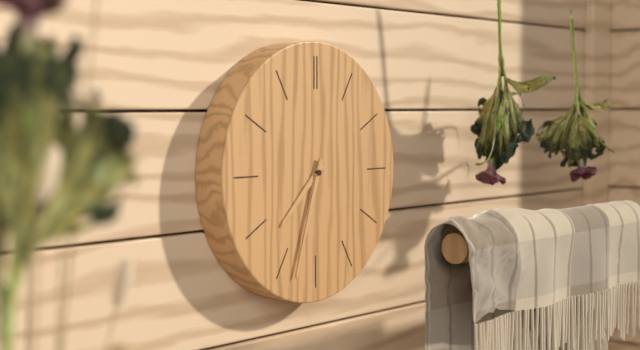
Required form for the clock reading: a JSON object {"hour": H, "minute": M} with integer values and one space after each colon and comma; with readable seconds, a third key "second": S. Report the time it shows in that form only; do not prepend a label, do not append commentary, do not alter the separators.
{"hour": 7, "minute": 33}
